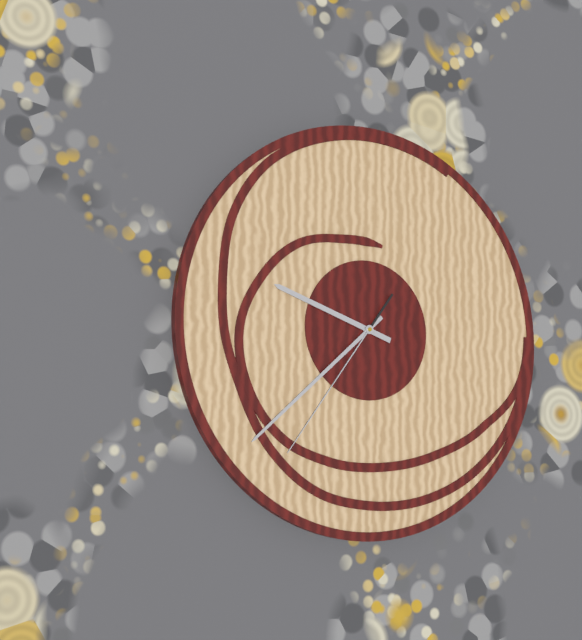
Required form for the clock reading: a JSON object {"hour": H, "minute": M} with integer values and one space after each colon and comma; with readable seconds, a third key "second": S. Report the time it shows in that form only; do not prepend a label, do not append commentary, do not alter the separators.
{"hour": 9, "minute": 38, "second": 36}
